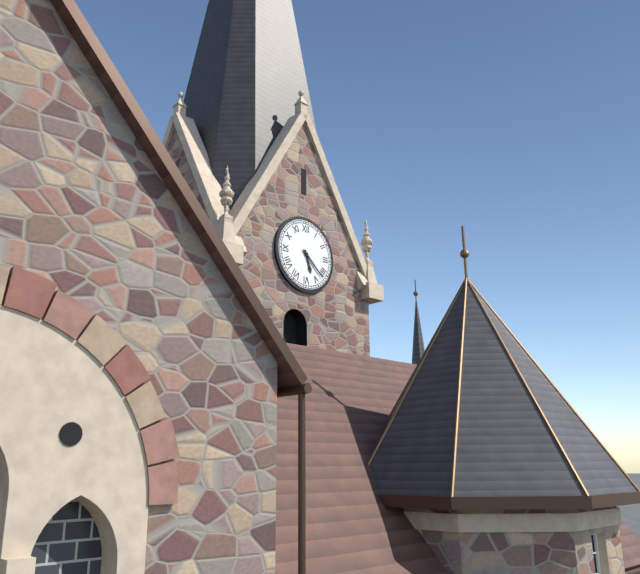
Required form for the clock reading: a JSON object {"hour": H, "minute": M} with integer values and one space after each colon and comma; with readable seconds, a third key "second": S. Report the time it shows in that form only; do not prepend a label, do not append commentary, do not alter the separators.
{"hour": 5, "minute": 22}
